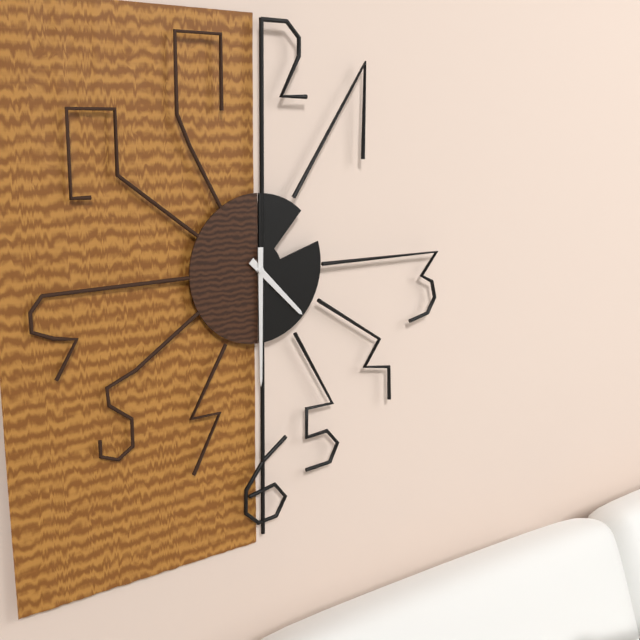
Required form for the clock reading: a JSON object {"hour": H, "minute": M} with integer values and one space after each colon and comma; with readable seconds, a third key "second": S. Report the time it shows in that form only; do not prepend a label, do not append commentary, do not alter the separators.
{"hour": 4, "minute": 30}
